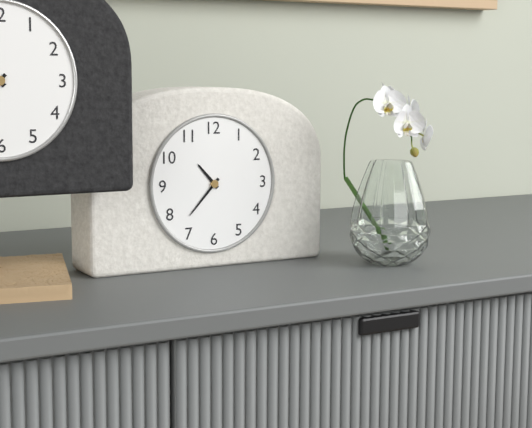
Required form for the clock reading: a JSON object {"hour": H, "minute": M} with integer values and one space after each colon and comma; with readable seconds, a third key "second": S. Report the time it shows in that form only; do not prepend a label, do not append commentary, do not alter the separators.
{"hour": 10, "minute": 37}
